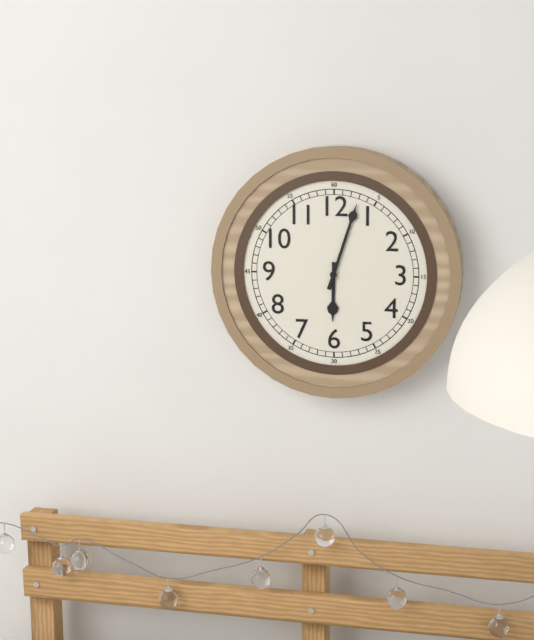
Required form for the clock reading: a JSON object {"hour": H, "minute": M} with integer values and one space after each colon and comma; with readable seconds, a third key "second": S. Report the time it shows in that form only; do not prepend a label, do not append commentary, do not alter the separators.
{"hour": 6, "minute": 3}
